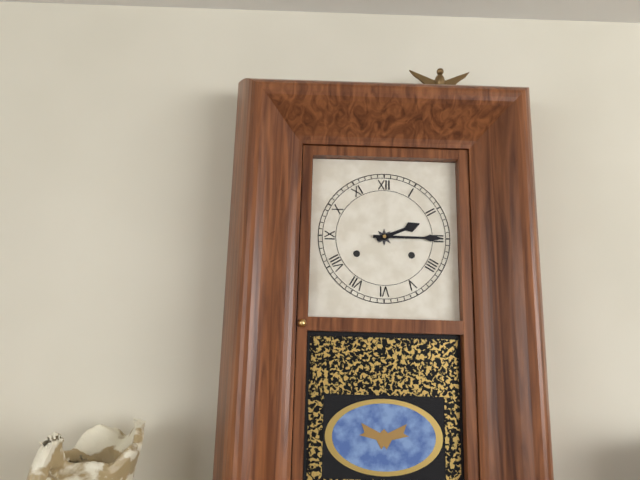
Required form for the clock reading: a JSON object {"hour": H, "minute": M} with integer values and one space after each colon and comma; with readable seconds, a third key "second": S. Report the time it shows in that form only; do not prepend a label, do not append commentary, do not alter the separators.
{"hour": 2, "minute": 15}
